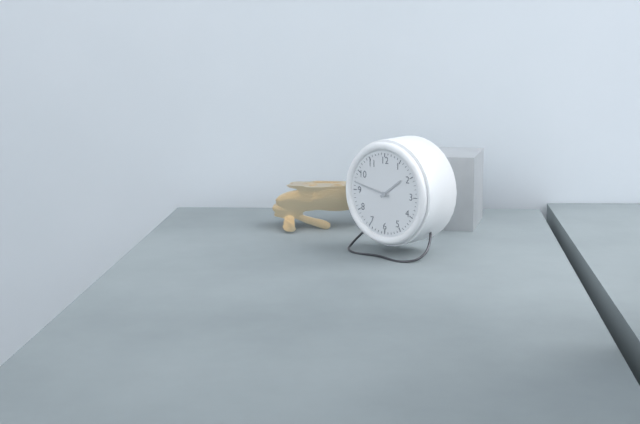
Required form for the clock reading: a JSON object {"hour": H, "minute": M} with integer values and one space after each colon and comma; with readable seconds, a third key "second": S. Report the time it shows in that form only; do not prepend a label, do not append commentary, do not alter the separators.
{"hour": 1, "minute": 47}
